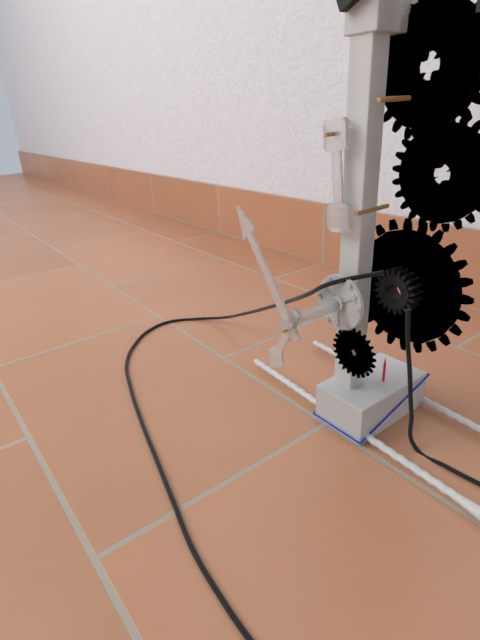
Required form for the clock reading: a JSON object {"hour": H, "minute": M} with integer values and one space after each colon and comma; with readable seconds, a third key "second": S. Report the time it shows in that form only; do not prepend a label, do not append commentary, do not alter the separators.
{"hour": 6, "minute": 54}
